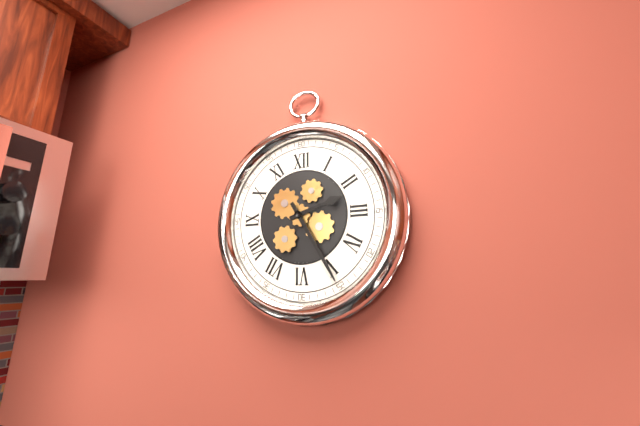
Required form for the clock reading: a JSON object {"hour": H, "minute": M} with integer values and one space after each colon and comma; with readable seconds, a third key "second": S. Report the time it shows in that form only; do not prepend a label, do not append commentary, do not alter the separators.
{"hour": 2, "minute": 25}
